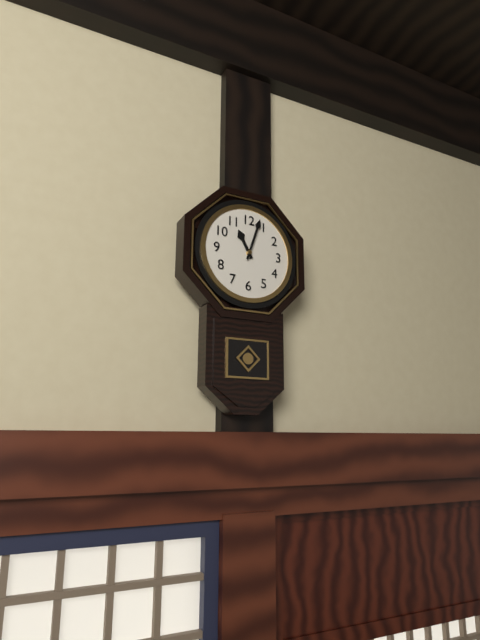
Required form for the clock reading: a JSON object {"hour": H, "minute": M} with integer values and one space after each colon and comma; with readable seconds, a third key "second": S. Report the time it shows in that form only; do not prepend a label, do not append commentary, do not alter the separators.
{"hour": 11, "minute": 3}
